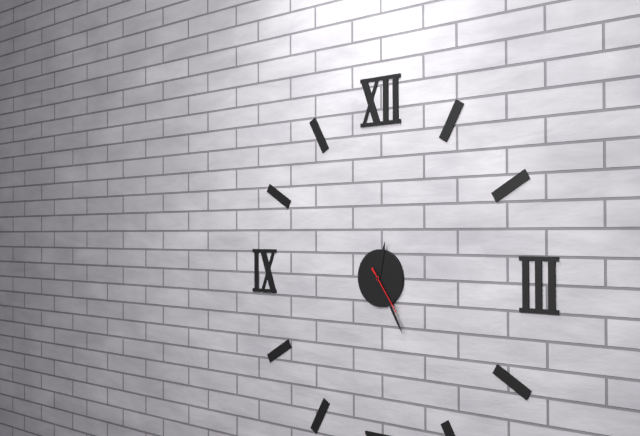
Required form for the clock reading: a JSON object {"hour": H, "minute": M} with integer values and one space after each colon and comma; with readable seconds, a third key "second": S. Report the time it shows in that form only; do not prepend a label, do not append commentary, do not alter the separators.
{"hour": 12, "minute": 25}
